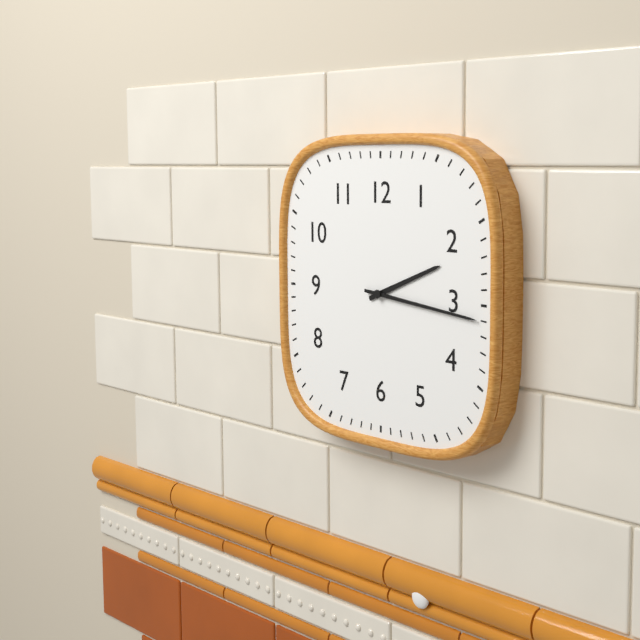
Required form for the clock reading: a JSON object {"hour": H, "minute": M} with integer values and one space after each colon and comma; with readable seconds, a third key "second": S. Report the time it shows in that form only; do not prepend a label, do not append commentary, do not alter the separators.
{"hour": 2, "minute": 16}
